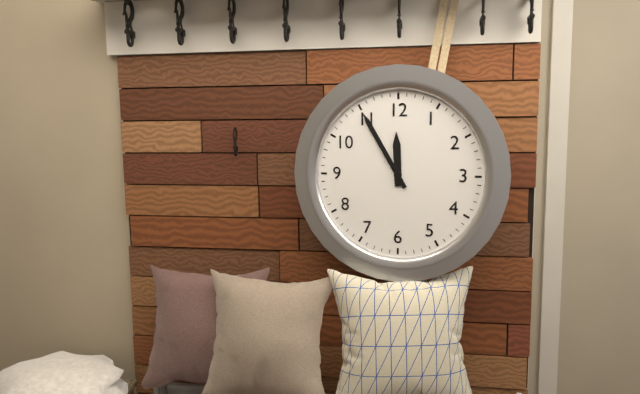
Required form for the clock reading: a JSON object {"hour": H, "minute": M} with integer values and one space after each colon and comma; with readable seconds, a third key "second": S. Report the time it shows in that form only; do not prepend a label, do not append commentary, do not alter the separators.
{"hour": 11, "minute": 55}
